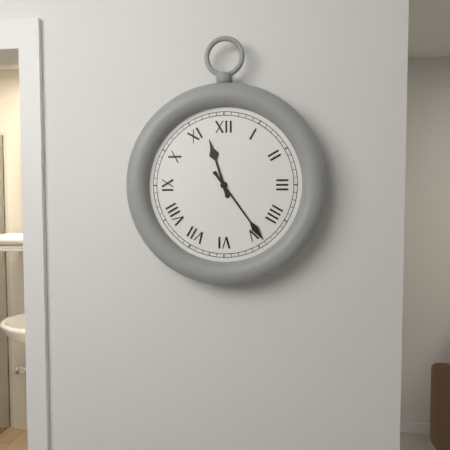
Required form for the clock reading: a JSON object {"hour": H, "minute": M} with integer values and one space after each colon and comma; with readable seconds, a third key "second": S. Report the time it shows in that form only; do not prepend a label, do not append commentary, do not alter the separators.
{"hour": 11, "minute": 24}
